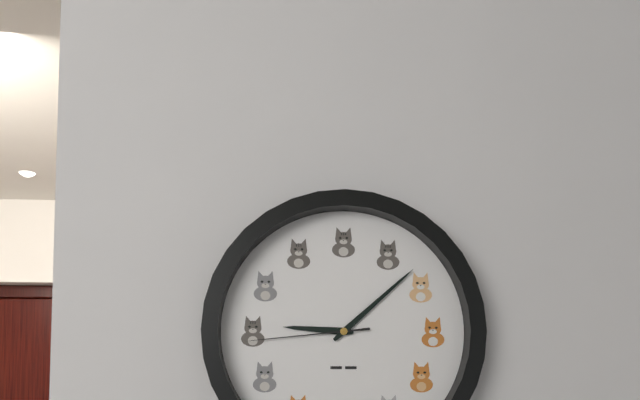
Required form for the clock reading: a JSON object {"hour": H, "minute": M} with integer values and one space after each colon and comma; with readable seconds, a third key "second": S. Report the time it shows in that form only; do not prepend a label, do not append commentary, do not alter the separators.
{"hour": 9, "minute": 8, "second": 44}
